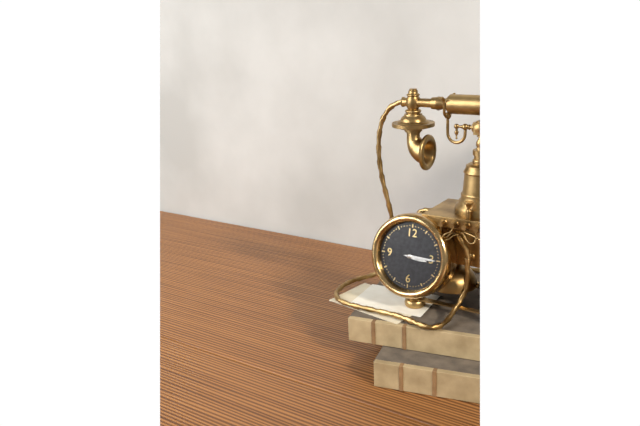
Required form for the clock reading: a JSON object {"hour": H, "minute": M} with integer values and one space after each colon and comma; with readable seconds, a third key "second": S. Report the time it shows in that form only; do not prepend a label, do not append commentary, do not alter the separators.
{"hour": 3, "minute": 15}
